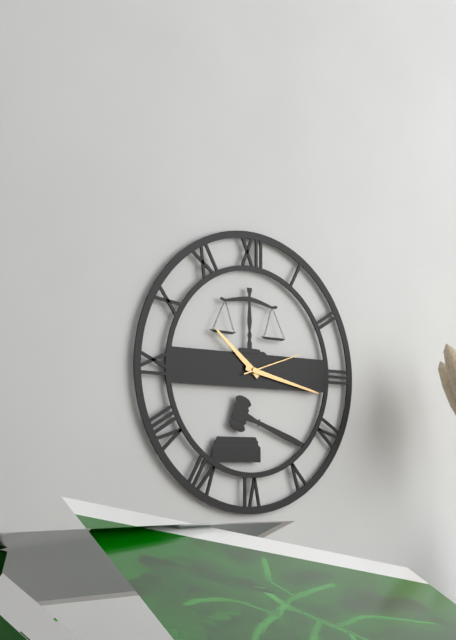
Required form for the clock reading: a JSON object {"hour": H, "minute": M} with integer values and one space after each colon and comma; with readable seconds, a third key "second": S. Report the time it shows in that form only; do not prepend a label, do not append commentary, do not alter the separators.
{"hour": 10, "minute": 17, "second": 12}
